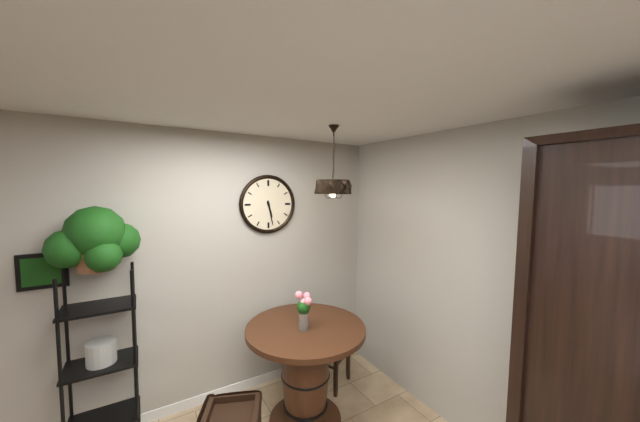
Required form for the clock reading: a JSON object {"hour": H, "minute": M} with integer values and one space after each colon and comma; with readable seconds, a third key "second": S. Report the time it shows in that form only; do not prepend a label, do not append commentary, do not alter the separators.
{"hour": 5, "minute": 28}
